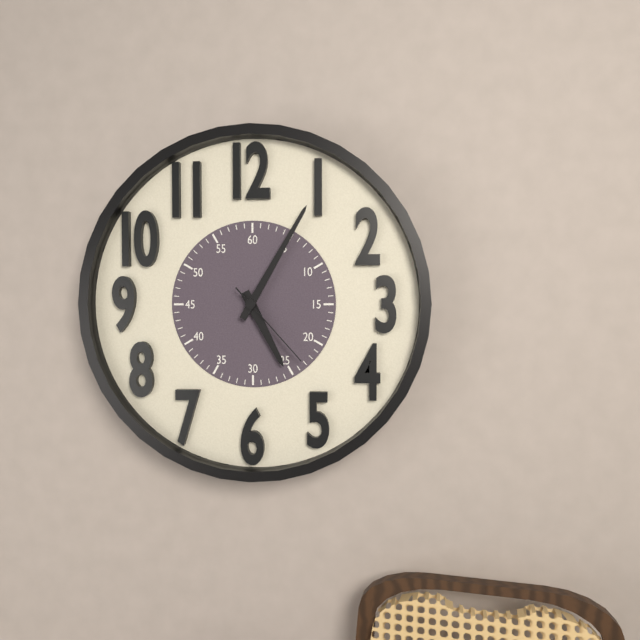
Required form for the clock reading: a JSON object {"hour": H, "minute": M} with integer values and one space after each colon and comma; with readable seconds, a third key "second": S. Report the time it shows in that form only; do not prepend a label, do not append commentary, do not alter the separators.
{"hour": 5, "minute": 5, "second": 23}
